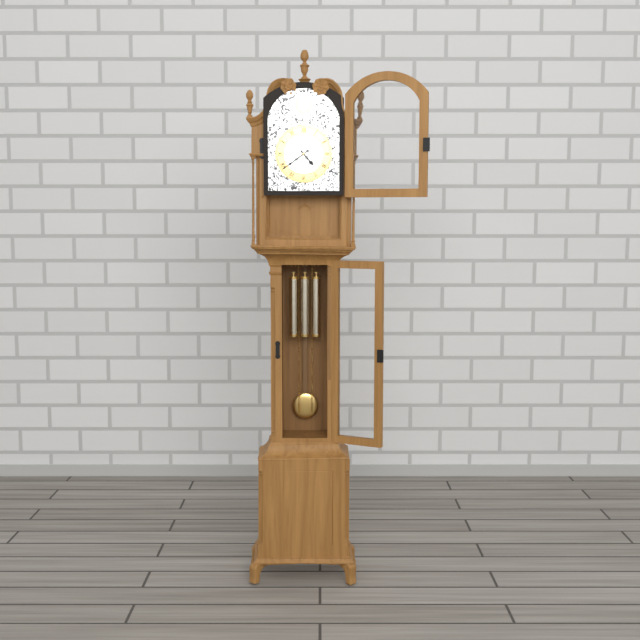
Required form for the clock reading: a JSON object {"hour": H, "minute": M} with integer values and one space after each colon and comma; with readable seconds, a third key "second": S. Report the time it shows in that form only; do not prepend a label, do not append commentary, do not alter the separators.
{"hour": 4, "minute": 39}
